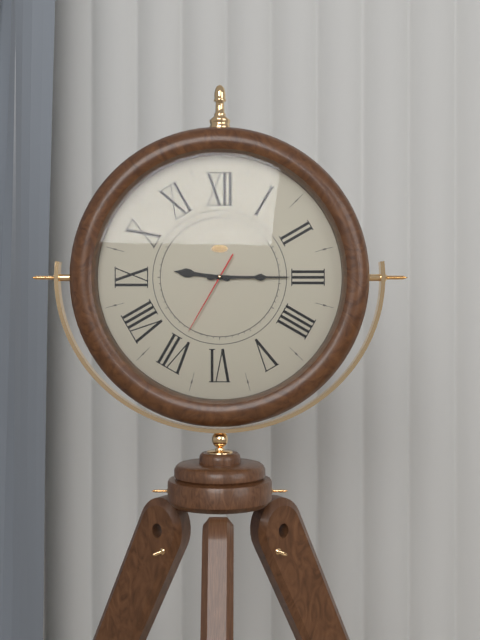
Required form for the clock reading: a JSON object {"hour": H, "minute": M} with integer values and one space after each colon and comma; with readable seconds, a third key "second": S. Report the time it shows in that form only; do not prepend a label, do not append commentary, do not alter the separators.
{"hour": 9, "minute": 15, "second": 35}
